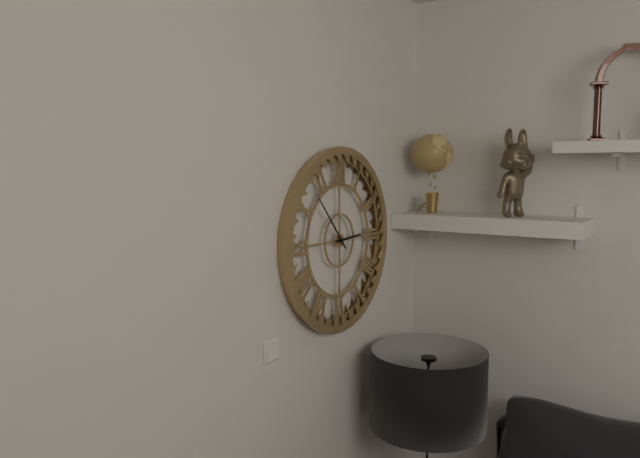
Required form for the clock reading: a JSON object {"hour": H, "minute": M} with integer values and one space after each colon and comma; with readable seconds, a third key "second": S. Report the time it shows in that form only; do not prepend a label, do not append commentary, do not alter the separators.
{"hour": 2, "minute": 53}
